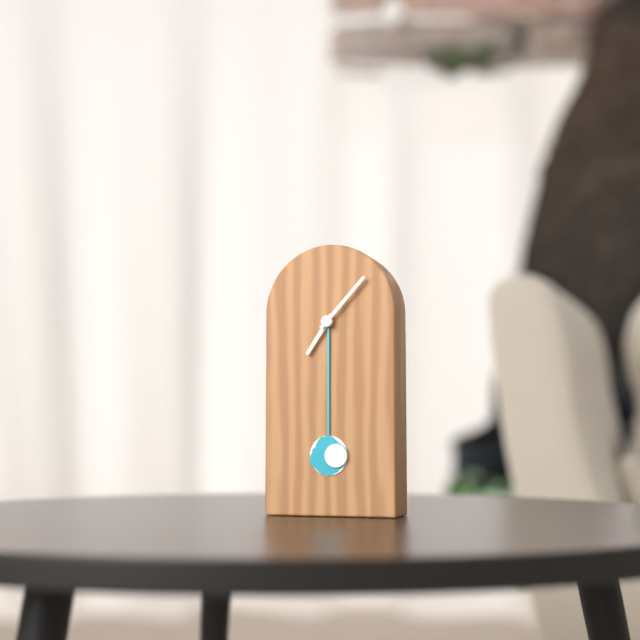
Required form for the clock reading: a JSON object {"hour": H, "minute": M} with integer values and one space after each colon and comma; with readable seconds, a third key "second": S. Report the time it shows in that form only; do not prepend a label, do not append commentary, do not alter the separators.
{"hour": 7, "minute": 7}
